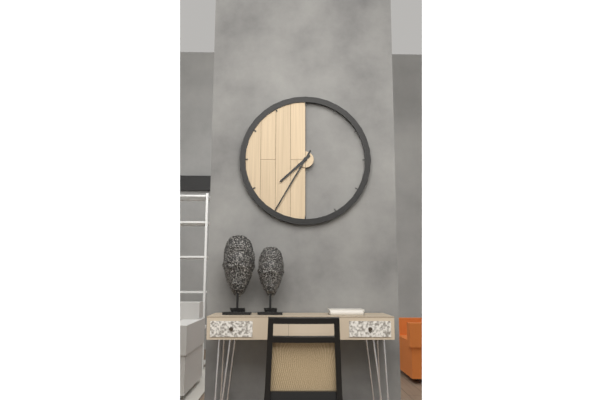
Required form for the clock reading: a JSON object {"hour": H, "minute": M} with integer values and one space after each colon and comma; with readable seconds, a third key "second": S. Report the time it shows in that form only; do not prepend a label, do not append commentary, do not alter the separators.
{"hour": 7, "minute": 35}
